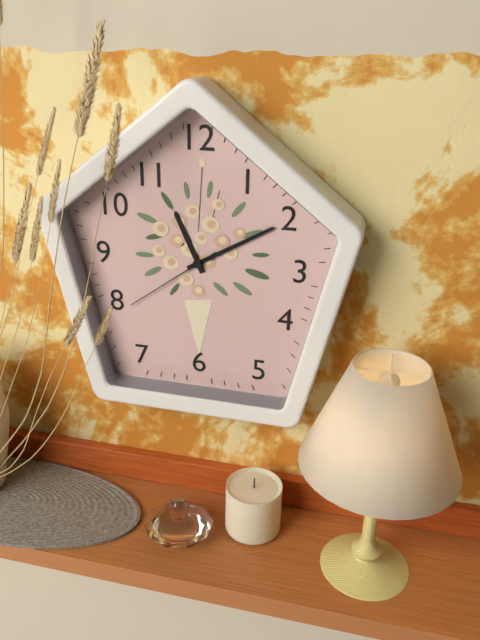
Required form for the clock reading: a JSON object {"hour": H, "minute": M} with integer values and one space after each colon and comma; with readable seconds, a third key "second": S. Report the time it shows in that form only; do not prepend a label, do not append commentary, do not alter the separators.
{"hour": 11, "minute": 10, "second": 39}
